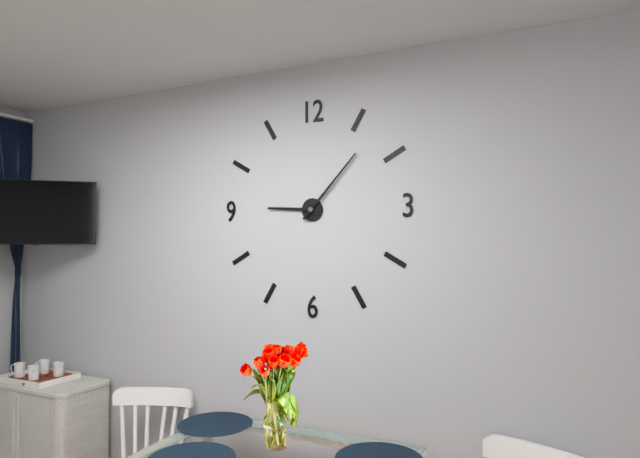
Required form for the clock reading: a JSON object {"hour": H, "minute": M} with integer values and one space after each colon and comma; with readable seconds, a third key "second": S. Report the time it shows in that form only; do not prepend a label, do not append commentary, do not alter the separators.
{"hour": 9, "minute": 7}
